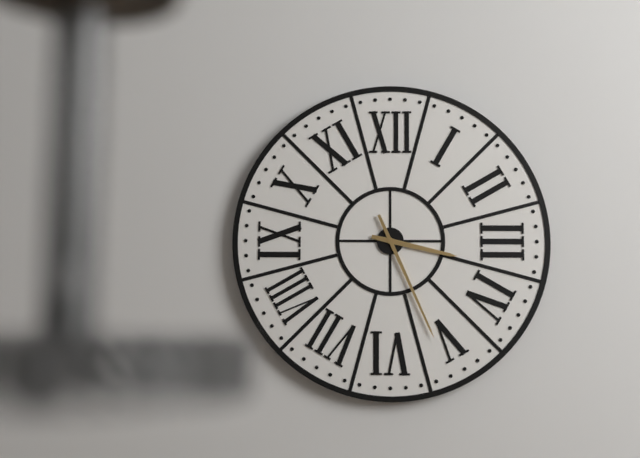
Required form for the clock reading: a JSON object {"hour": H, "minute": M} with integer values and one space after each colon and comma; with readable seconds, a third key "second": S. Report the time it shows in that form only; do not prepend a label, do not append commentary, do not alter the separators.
{"hour": 3, "minute": 26}
